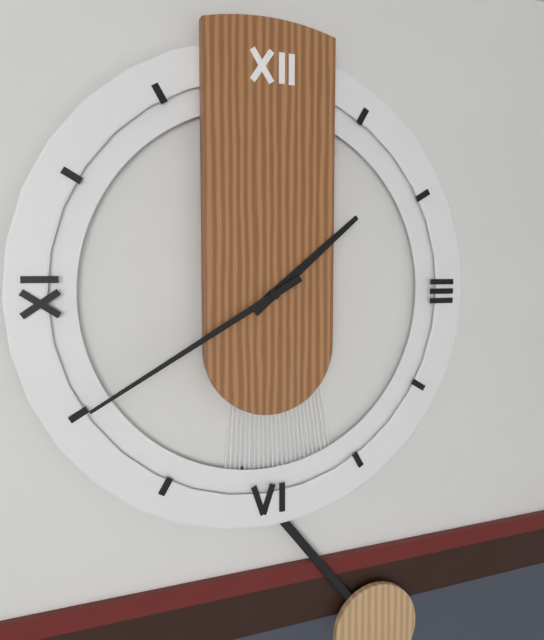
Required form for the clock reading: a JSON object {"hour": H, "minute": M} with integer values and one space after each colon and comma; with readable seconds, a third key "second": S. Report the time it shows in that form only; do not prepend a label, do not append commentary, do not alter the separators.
{"hour": 1, "minute": 40}
